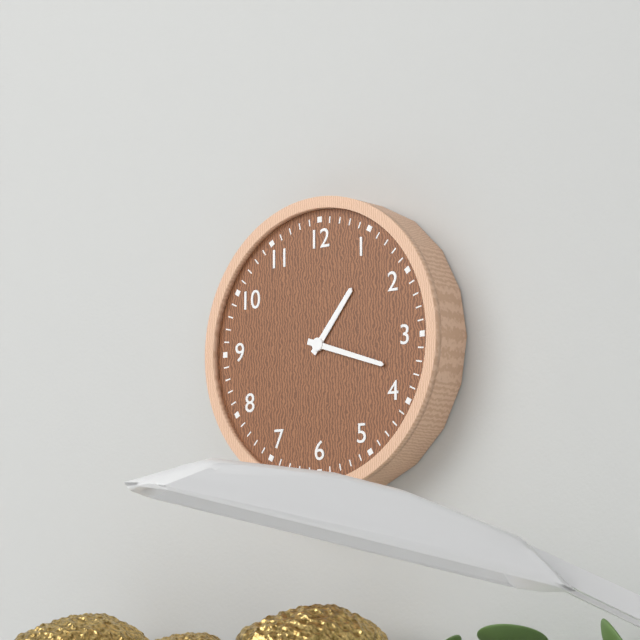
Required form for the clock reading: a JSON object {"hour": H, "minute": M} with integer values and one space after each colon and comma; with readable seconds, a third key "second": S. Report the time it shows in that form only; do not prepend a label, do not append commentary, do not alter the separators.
{"hour": 1, "minute": 18}
